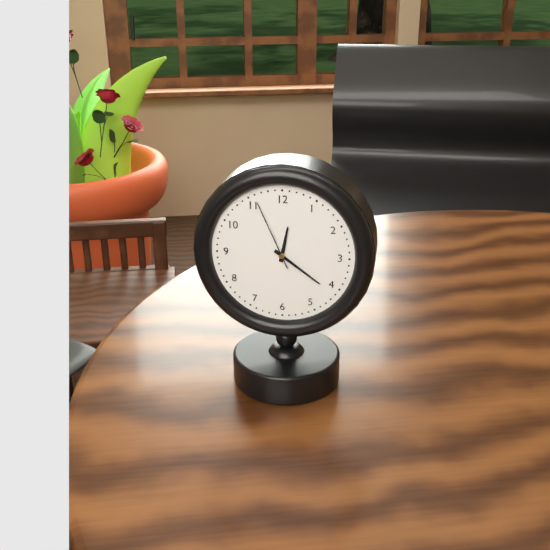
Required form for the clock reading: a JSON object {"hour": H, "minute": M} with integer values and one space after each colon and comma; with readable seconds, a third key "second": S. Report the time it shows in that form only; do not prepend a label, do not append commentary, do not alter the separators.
{"hour": 12, "minute": 21, "second": 56}
